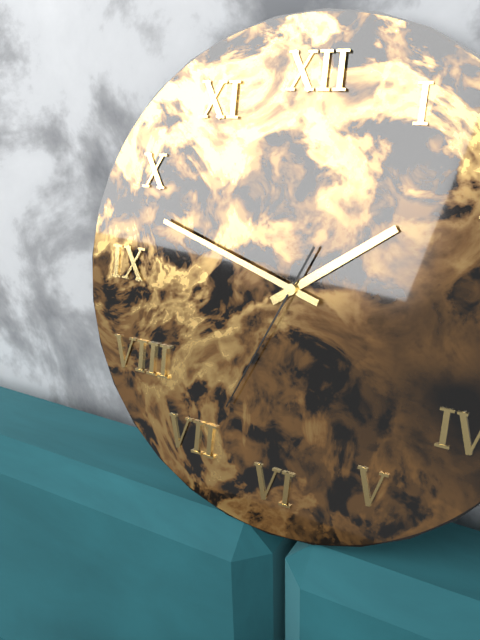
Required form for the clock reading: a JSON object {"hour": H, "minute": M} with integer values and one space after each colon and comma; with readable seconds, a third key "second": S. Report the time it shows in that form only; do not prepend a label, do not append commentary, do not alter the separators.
{"hour": 1, "minute": 48, "second": 34}
